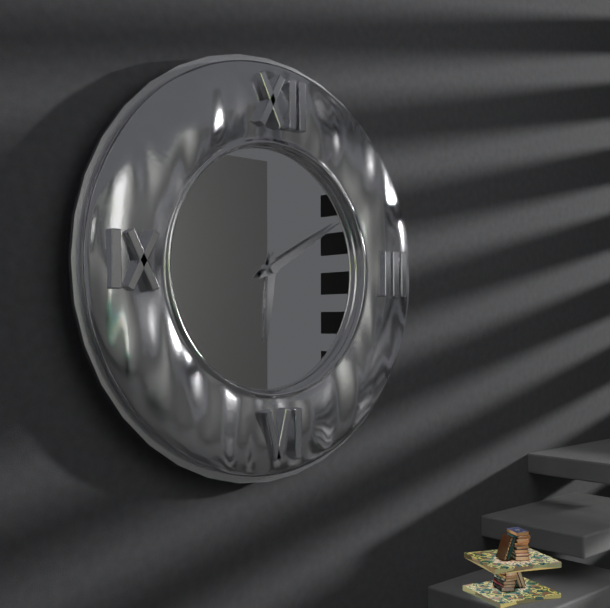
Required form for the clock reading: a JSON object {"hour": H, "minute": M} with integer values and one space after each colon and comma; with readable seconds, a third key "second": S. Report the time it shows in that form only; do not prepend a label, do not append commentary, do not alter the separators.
{"hour": 6, "minute": 10}
